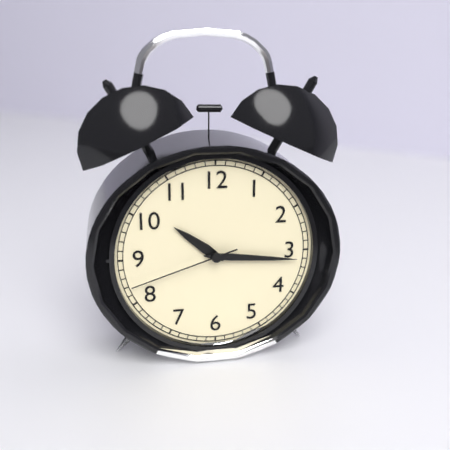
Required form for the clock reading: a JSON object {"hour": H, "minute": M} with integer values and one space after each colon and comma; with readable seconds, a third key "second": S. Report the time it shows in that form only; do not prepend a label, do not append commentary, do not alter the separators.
{"hour": 10, "minute": 16, "second": 42}
